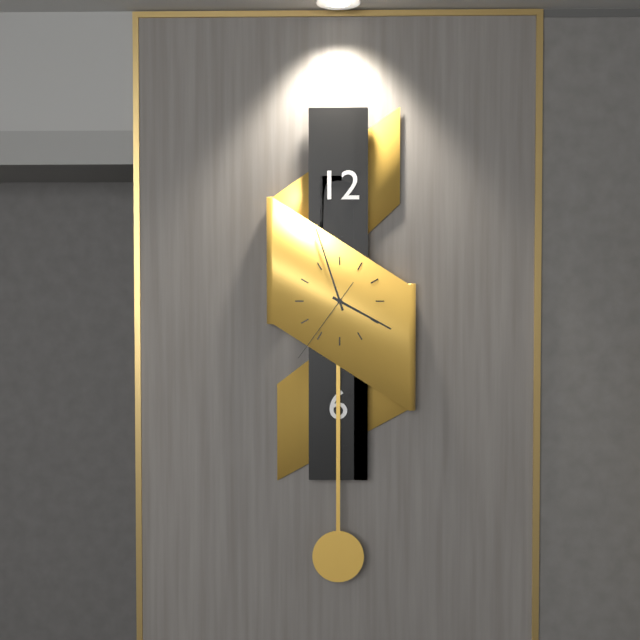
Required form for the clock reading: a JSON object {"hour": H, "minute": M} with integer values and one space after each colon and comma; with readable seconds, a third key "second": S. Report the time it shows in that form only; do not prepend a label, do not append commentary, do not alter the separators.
{"hour": 3, "minute": 57, "second": 36}
